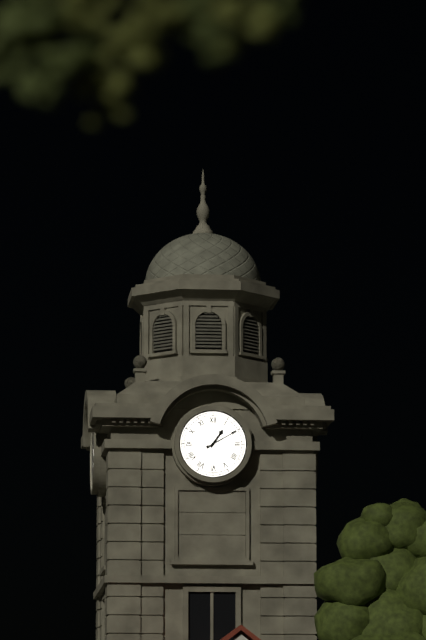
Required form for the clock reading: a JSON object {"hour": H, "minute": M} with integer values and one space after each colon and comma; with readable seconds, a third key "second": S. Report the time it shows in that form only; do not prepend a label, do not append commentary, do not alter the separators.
{"hour": 1, "minute": 10}
